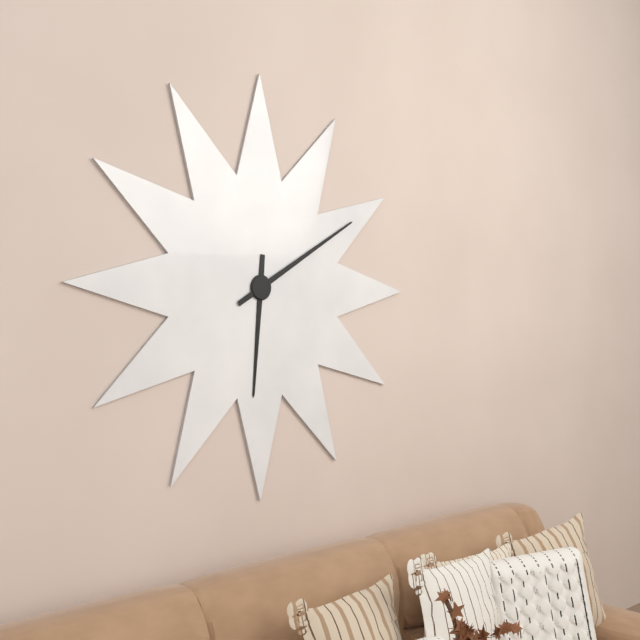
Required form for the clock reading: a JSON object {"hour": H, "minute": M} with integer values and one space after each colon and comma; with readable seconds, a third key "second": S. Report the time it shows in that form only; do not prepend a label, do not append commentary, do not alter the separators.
{"hour": 6, "minute": 10}
